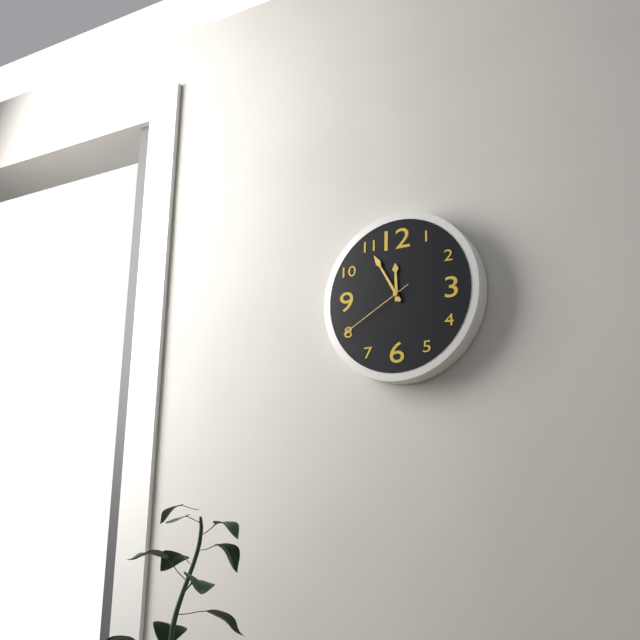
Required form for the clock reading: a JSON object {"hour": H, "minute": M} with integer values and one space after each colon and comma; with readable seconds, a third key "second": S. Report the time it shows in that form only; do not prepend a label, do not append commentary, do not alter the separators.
{"hour": 11, "minute": 55, "second": 40}
